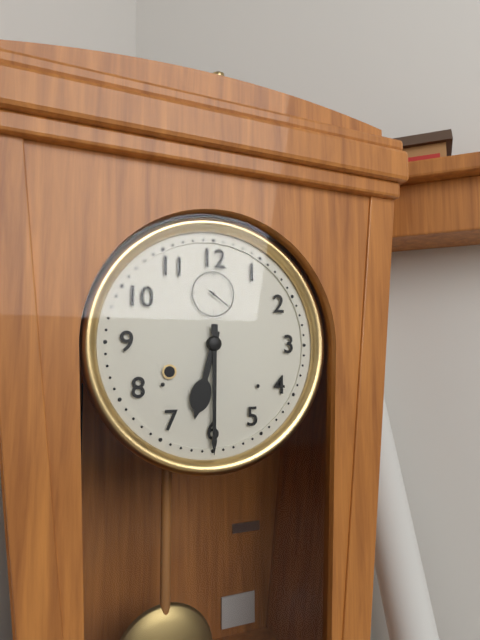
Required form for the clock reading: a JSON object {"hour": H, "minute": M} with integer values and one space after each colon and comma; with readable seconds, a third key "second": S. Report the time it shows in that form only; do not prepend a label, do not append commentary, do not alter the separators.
{"hour": 6, "minute": 30}
